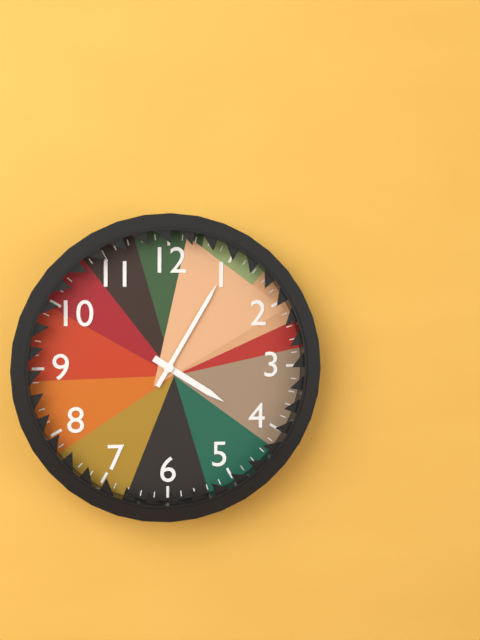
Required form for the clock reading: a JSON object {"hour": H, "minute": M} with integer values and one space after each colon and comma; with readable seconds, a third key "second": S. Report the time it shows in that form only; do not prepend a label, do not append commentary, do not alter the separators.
{"hour": 4, "minute": 5}
